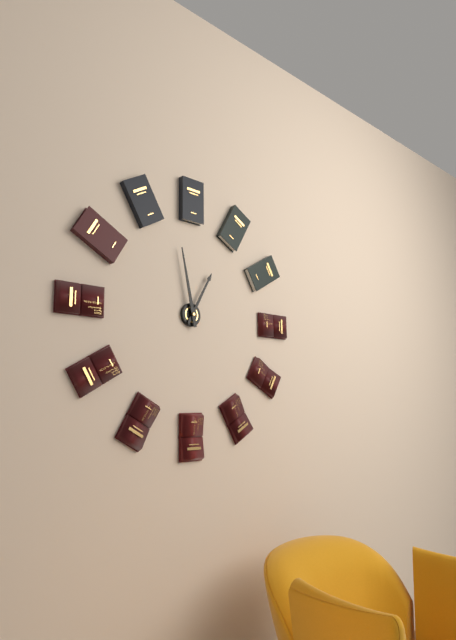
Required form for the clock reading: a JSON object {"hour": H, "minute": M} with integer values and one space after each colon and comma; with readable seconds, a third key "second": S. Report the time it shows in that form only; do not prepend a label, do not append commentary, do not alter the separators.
{"hour": 12, "minute": 58}
